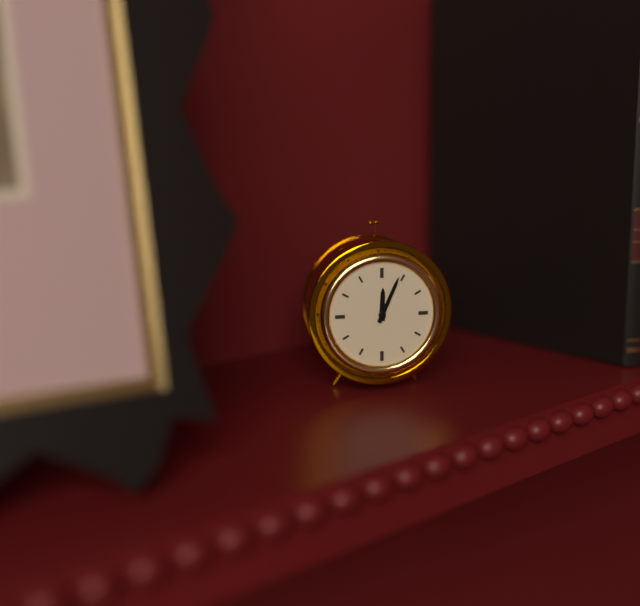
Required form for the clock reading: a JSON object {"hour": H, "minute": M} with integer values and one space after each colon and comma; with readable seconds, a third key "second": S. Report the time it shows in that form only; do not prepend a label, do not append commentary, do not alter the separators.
{"hour": 12, "minute": 4}
